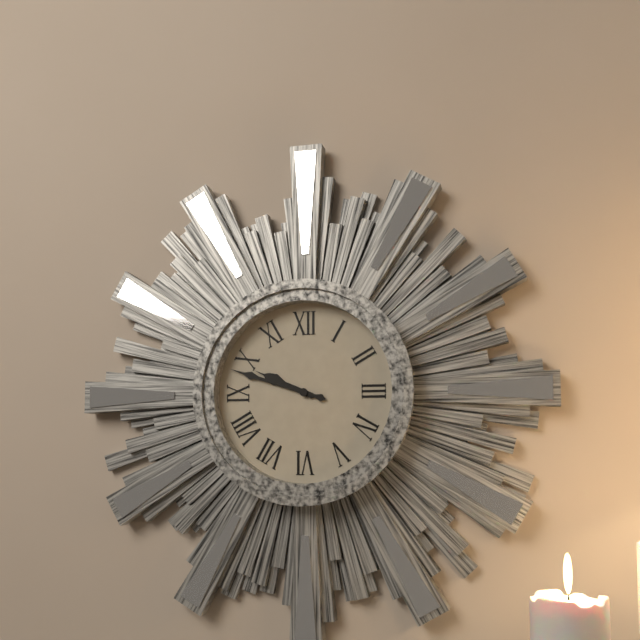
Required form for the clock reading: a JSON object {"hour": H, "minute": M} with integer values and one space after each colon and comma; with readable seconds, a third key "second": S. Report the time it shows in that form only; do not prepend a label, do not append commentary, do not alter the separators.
{"hour": 9, "minute": 48}
